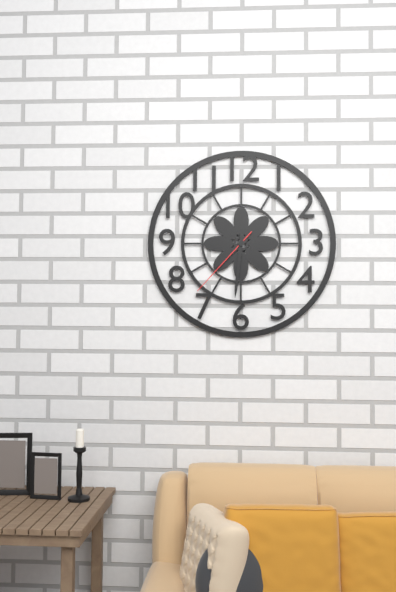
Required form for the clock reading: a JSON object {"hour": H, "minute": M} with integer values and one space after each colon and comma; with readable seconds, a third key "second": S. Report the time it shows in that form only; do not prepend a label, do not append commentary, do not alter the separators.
{"hour": 7, "minute": 31, "second": 37}
